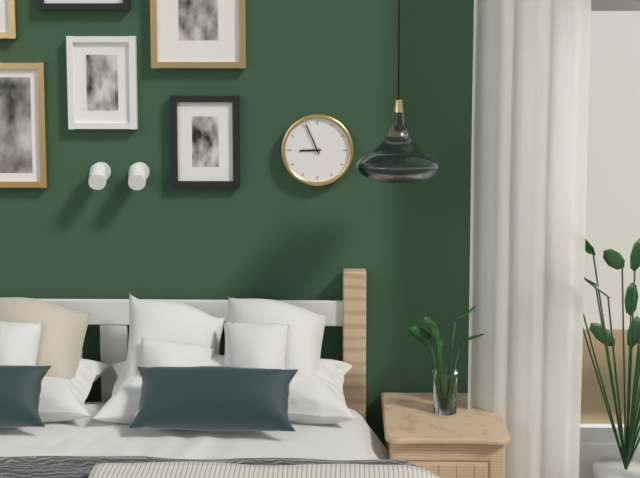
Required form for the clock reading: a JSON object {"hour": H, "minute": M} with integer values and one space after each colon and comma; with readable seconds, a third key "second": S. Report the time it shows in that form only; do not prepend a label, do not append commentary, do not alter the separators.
{"hour": 8, "minute": 56}
